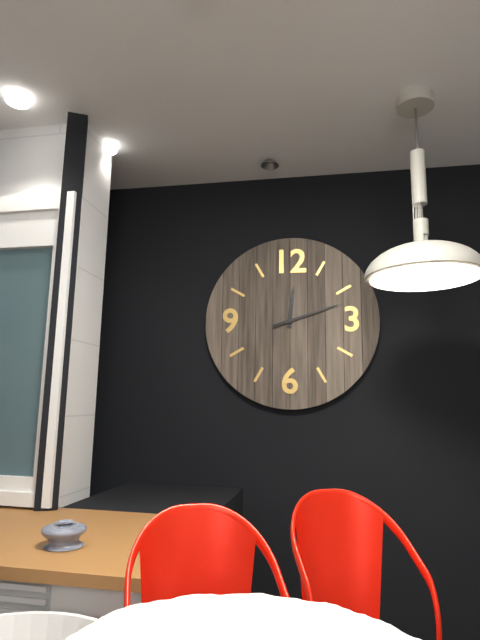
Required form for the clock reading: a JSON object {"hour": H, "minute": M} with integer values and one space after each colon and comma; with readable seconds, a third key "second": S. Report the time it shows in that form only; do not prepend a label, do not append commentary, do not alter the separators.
{"hour": 12, "minute": 12}
